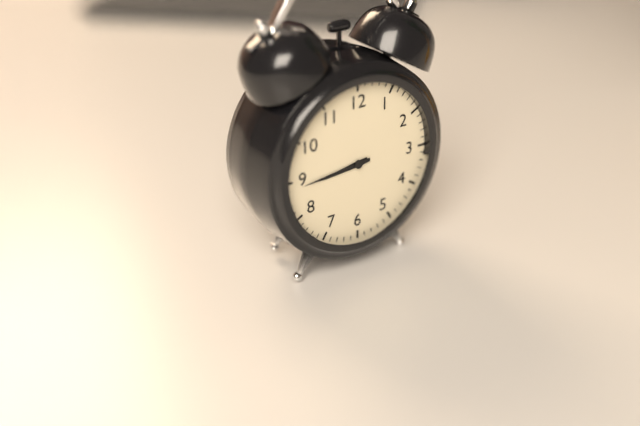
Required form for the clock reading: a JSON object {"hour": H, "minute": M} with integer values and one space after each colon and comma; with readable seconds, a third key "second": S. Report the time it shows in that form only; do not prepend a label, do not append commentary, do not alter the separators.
{"hour": 8, "minute": 44}
